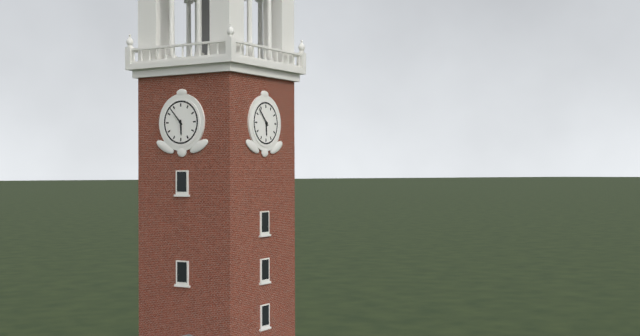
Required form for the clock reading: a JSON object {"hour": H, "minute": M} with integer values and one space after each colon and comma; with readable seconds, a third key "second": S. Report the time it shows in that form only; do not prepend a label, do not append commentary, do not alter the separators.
{"hour": 5, "minute": 53}
